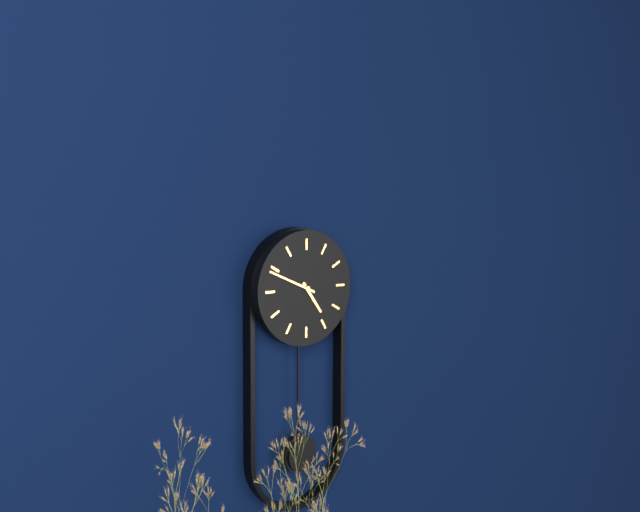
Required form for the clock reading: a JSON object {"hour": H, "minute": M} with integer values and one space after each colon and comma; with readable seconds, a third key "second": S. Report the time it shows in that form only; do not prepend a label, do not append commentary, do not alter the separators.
{"hour": 4, "minute": 49}
